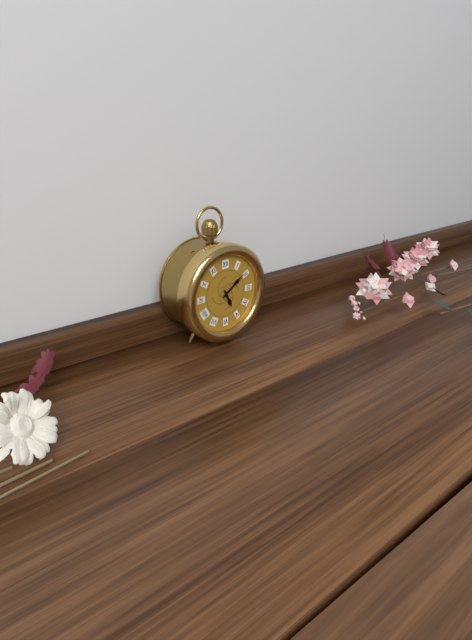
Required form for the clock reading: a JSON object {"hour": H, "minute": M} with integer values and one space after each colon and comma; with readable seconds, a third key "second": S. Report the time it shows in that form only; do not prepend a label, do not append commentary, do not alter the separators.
{"hour": 5, "minute": 9}
